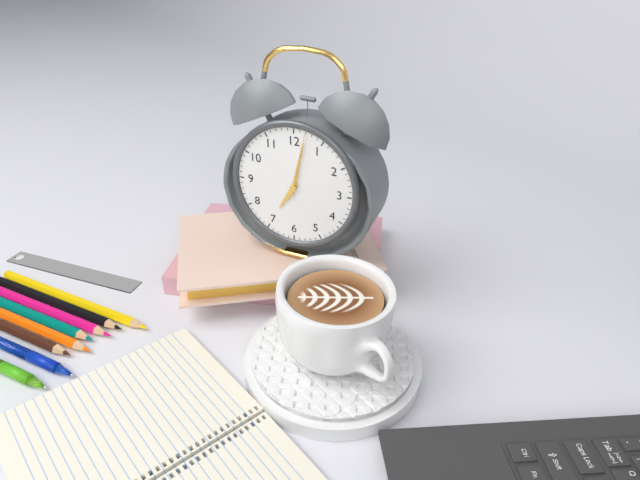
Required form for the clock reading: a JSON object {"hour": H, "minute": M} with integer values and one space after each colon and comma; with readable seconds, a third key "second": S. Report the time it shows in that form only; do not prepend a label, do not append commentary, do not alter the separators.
{"hour": 7, "minute": 2, "second": 2}
